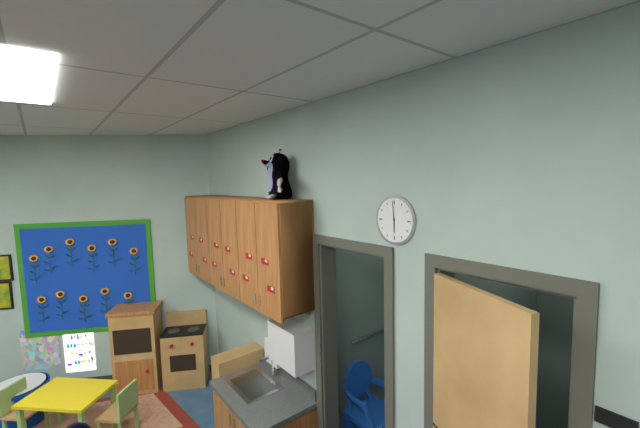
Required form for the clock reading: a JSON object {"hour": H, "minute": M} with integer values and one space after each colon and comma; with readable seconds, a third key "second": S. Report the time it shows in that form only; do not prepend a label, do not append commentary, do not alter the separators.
{"hour": 5, "minute": 59}
